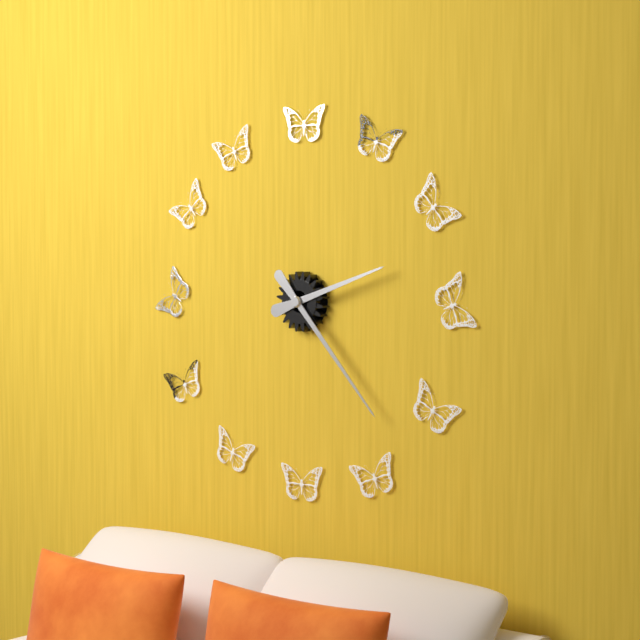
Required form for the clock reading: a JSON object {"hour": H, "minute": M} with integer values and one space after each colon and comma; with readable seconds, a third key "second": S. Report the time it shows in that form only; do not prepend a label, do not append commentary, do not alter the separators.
{"hour": 2, "minute": 23}
